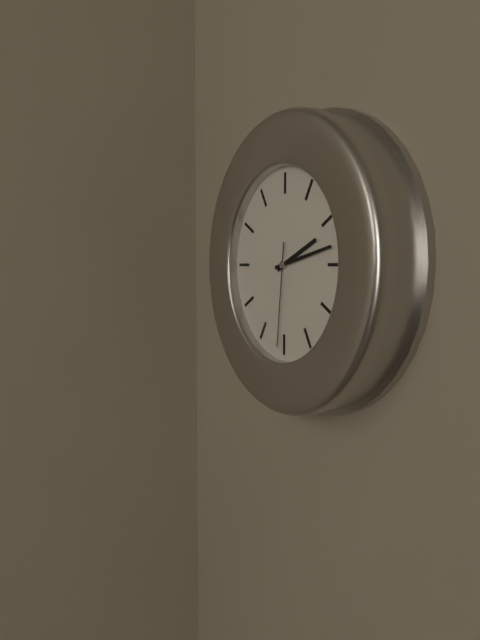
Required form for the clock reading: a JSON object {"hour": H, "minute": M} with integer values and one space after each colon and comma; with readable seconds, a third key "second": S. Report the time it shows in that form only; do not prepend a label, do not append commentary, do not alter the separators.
{"hour": 2, "minute": 13, "second": 31}
